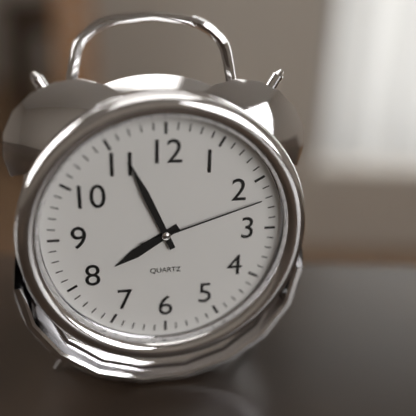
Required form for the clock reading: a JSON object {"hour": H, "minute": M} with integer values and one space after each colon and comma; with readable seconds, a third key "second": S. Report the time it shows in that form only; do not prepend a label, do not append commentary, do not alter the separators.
{"hour": 7, "minute": 56, "second": 12}
